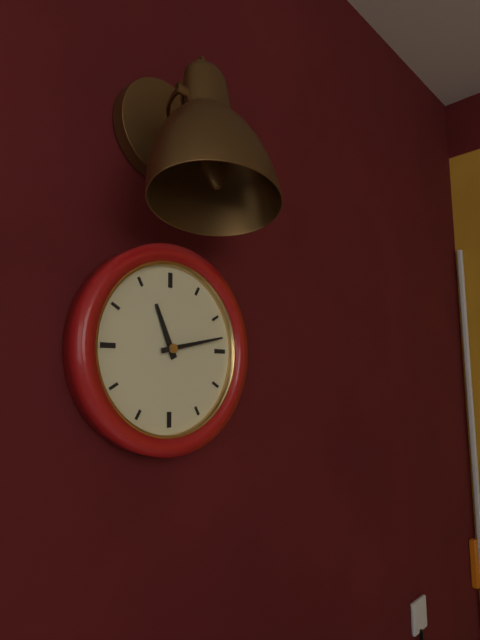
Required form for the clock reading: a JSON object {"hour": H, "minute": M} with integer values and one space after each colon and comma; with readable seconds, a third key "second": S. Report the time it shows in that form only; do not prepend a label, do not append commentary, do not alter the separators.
{"hour": 11, "minute": 13}
